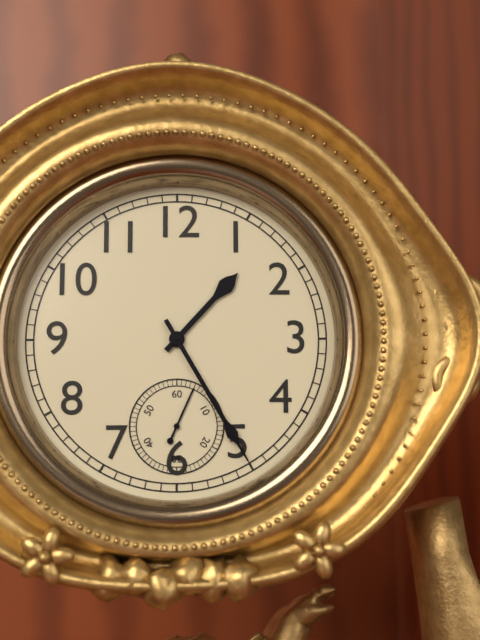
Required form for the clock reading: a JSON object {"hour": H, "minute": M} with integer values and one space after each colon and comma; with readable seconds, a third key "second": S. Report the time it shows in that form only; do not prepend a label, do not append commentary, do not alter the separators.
{"hour": 1, "minute": 25, "second": 4}
